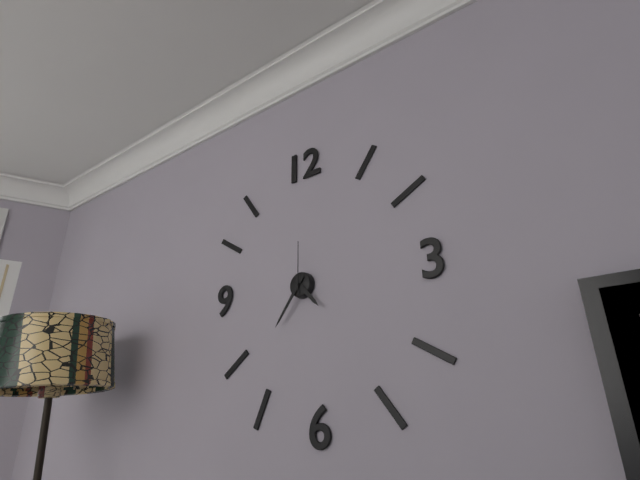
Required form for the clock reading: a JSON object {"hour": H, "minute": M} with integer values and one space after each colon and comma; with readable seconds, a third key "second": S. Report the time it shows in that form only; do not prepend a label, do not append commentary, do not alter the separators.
{"hour": 4, "minute": 36, "second": 0}
